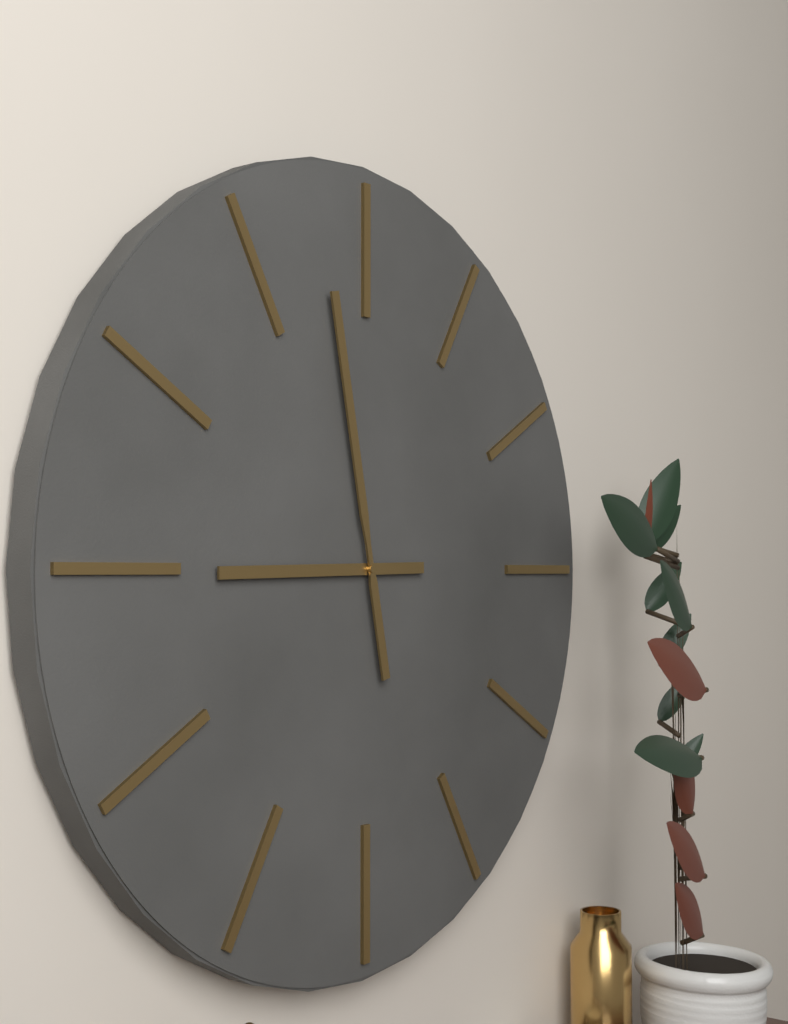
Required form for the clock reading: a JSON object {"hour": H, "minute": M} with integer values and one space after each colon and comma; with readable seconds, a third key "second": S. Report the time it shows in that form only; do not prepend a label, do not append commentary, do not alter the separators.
{"hour": 8, "minute": 58}
